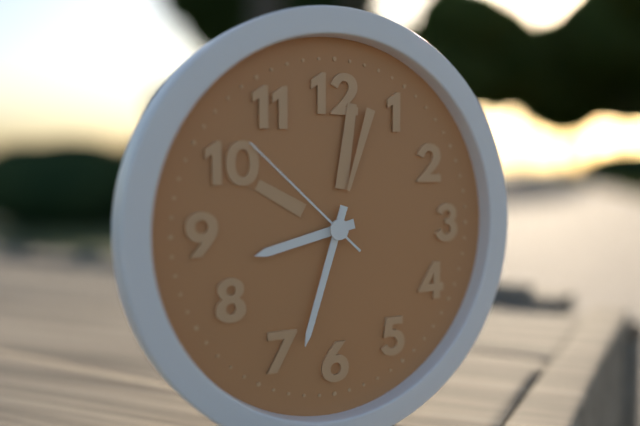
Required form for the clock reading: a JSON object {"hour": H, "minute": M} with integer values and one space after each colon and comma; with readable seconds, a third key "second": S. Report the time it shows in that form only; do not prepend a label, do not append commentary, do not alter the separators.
{"hour": 8, "minute": 33, "second": 52}
